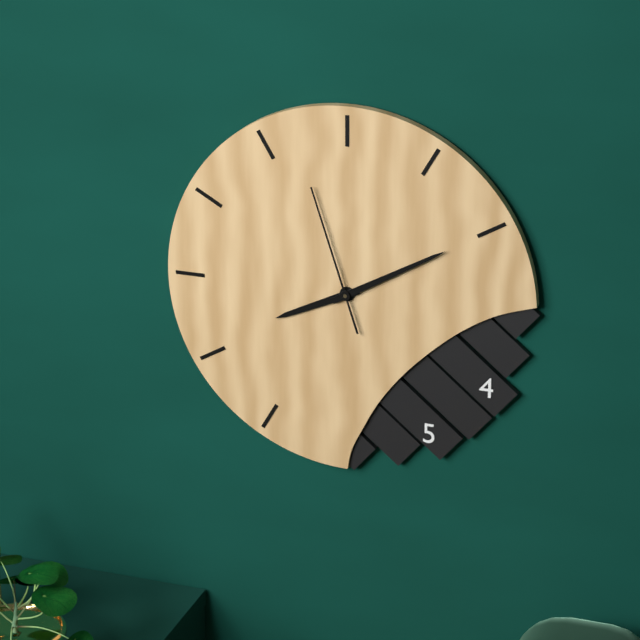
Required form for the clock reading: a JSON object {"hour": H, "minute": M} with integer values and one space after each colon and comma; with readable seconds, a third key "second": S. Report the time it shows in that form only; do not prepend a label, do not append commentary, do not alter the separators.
{"hour": 8, "minute": 10, "second": 57}
